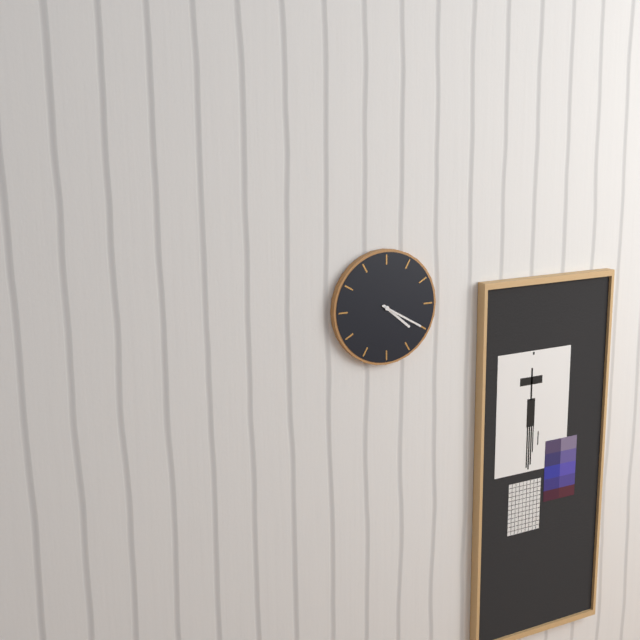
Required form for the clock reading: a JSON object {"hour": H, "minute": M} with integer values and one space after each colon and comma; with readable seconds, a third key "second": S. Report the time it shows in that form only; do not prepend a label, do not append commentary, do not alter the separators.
{"hour": 4, "minute": 20}
